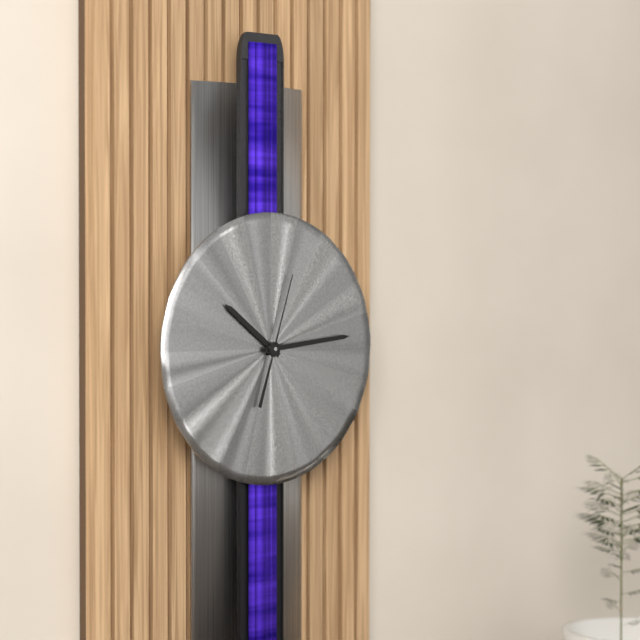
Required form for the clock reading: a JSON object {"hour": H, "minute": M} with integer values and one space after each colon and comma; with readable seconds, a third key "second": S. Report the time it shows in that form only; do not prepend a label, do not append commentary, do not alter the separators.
{"hour": 10, "minute": 14, "second": 3}
